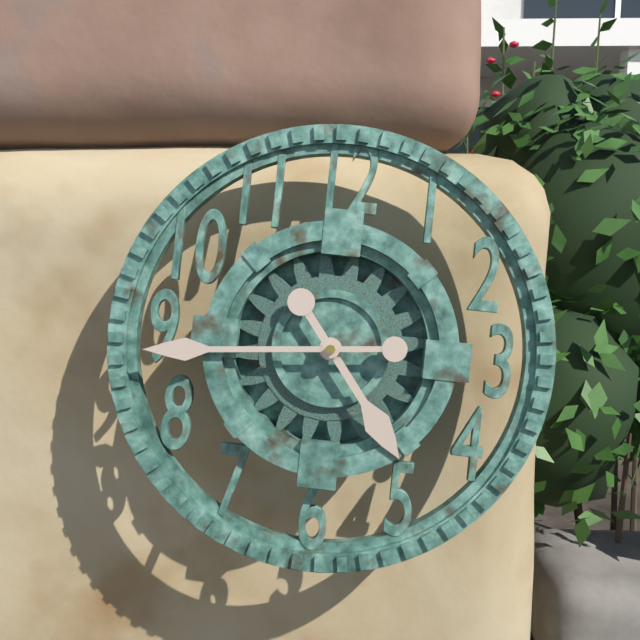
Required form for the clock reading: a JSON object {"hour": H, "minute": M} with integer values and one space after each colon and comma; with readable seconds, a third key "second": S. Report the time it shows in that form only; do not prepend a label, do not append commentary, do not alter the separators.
{"hour": 4, "minute": 44}
